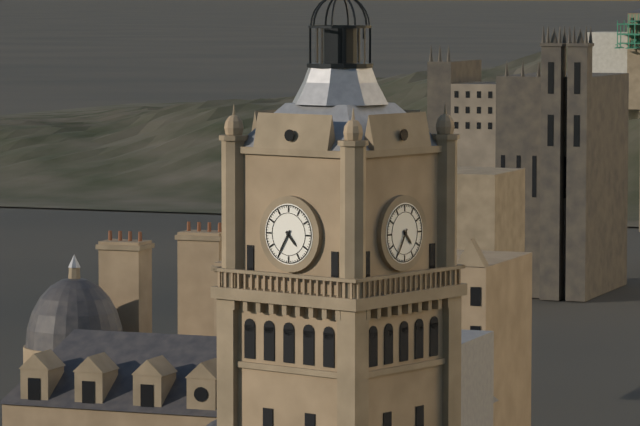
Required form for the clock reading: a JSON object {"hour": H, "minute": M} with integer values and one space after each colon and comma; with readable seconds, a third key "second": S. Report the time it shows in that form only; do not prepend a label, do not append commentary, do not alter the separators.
{"hour": 4, "minute": 35}
